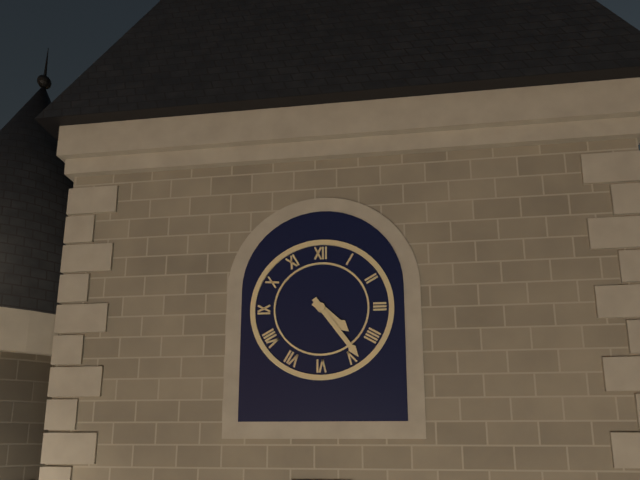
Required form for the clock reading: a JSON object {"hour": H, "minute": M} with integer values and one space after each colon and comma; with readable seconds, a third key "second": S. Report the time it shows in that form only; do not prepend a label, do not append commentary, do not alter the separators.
{"hour": 4, "minute": 24}
